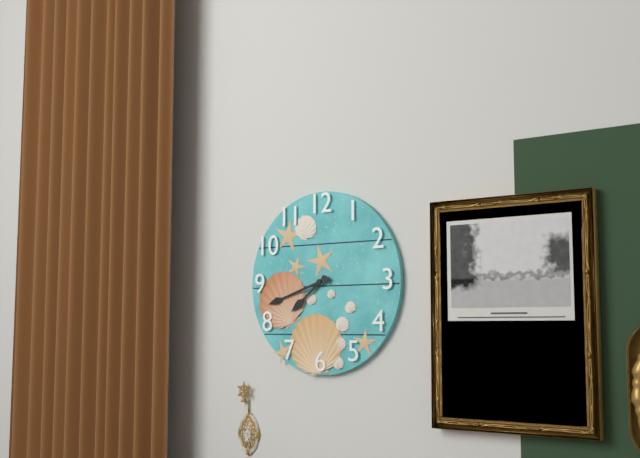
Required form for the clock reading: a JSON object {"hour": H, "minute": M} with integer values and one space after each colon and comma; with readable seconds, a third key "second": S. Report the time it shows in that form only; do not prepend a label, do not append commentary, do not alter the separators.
{"hour": 7, "minute": 42}
